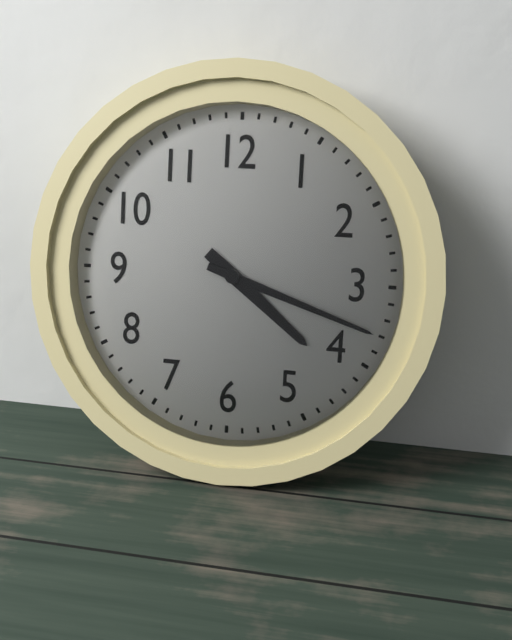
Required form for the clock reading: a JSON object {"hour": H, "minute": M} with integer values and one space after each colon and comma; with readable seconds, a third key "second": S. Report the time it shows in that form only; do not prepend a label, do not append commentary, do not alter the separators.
{"hour": 4, "minute": 18}
